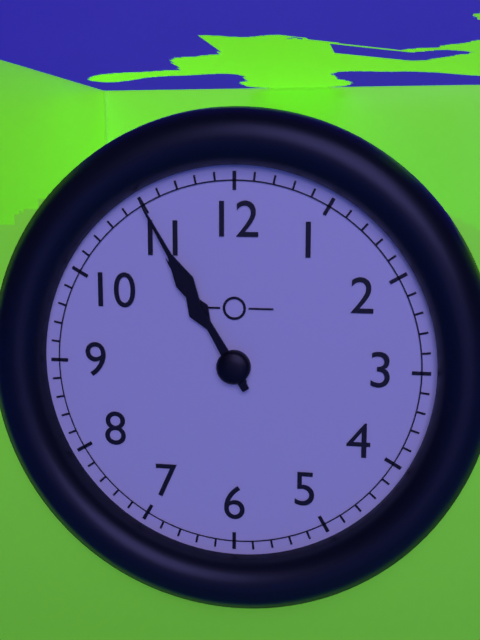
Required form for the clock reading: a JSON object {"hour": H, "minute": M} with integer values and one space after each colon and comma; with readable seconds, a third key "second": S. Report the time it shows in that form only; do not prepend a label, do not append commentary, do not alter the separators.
{"hour": 10, "minute": 55}
